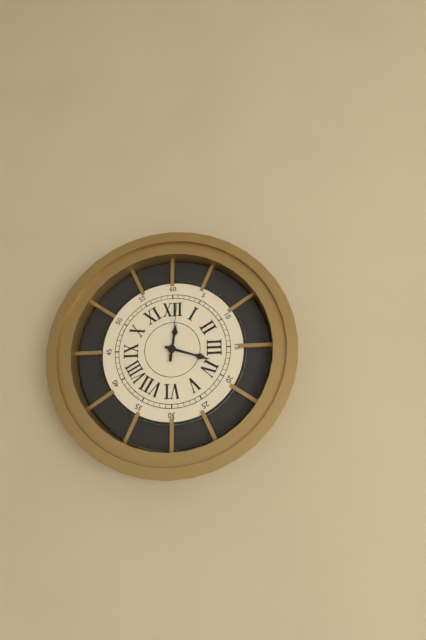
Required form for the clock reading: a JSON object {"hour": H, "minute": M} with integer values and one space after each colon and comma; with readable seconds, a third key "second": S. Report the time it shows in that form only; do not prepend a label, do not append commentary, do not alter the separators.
{"hour": 12, "minute": 18, "second": 1}
